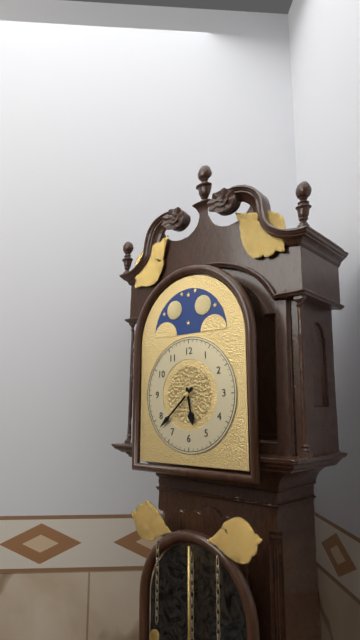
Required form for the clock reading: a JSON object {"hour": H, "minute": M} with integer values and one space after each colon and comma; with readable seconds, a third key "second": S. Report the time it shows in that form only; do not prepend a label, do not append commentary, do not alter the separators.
{"hour": 5, "minute": 38}
